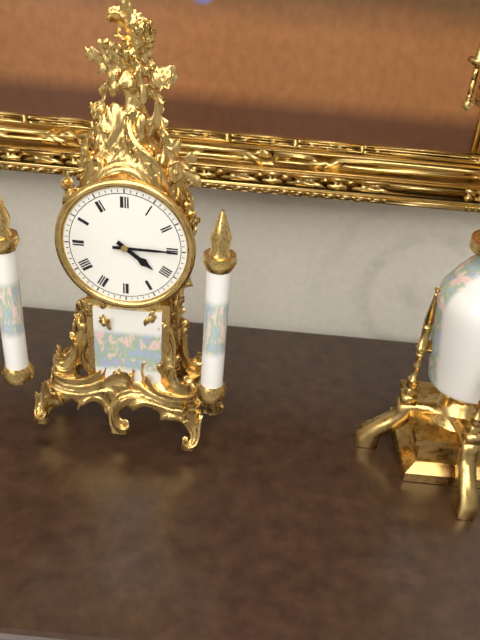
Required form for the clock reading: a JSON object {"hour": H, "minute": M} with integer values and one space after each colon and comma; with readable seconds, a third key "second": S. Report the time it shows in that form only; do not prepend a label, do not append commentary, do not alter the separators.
{"hour": 4, "minute": 15}
